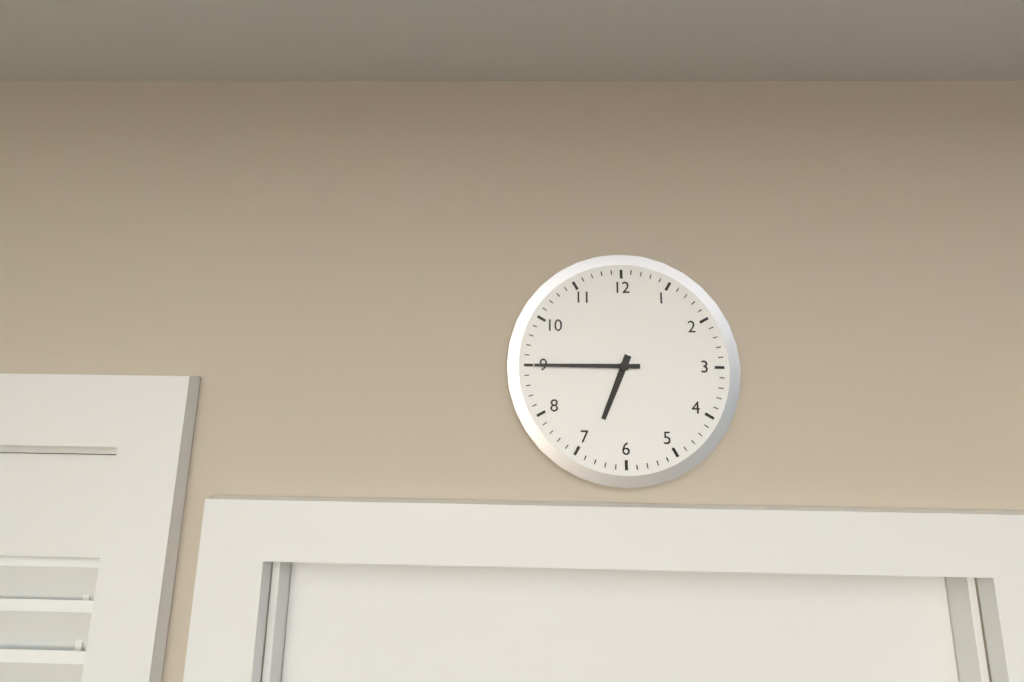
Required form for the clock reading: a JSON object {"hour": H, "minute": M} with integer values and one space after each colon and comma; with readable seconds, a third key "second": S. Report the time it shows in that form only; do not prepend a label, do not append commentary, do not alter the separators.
{"hour": 6, "minute": 45}
